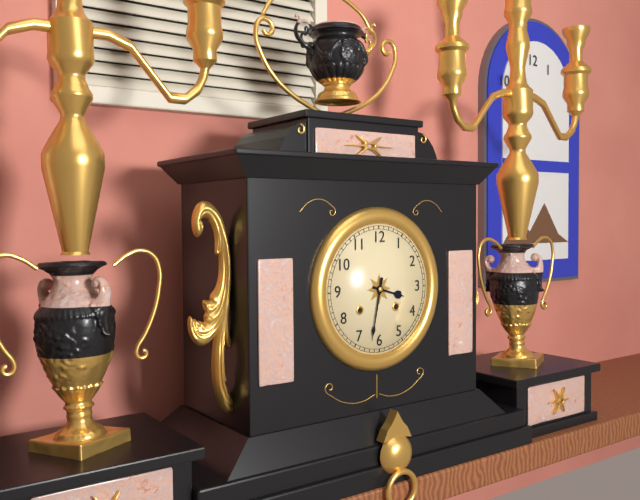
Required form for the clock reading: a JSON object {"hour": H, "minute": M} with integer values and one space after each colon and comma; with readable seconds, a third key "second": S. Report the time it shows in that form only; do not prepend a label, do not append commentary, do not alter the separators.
{"hour": 3, "minute": 32}
